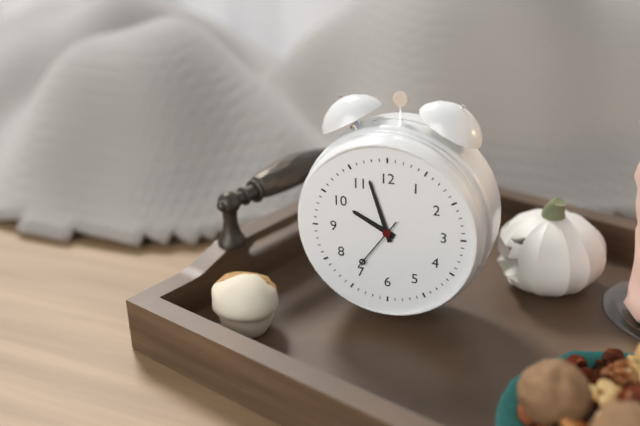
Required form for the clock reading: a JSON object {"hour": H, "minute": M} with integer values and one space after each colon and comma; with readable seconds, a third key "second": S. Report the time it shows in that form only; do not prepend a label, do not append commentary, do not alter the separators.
{"hour": 9, "minute": 57, "second": 36}
